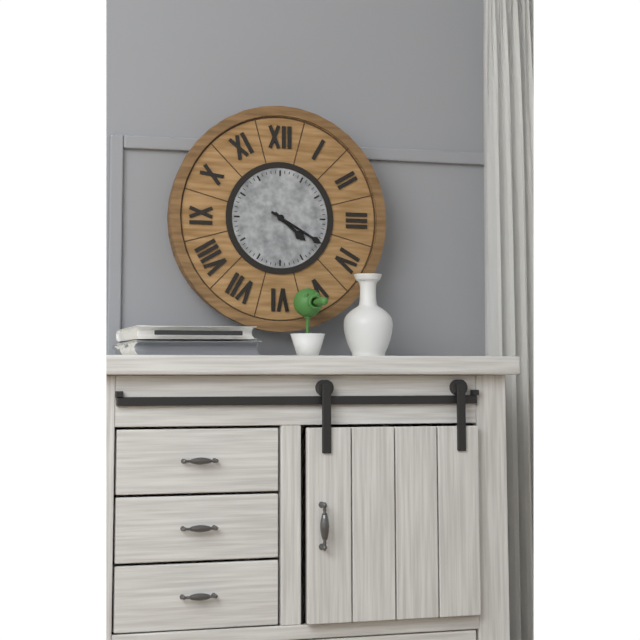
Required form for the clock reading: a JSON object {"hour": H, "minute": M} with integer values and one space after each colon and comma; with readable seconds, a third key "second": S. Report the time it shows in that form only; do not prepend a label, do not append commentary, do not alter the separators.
{"hour": 4, "minute": 20}
